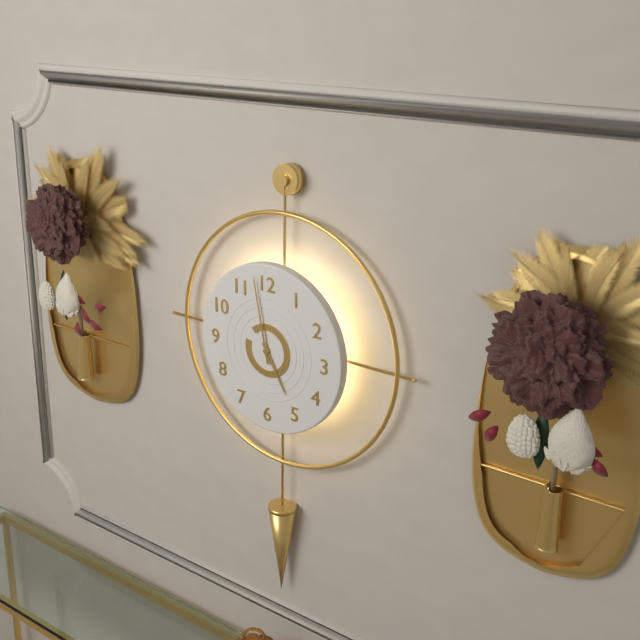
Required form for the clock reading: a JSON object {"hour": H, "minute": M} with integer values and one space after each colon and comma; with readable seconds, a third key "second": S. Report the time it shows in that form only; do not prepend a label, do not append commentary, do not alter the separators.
{"hour": 4, "minute": 58}
